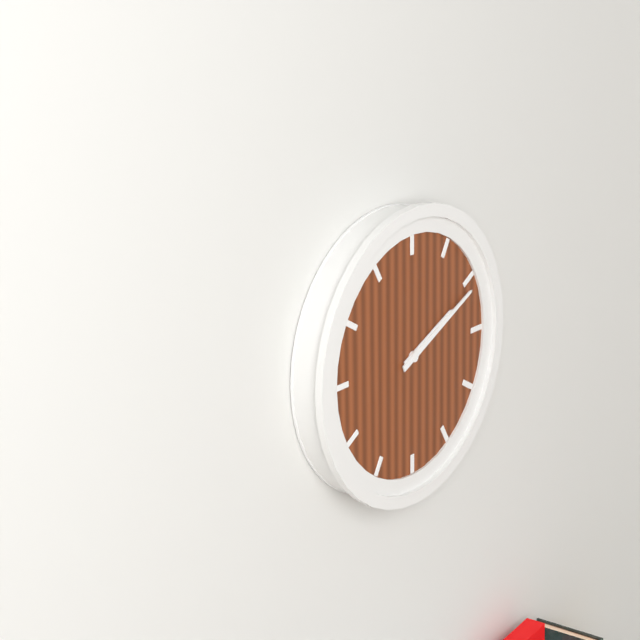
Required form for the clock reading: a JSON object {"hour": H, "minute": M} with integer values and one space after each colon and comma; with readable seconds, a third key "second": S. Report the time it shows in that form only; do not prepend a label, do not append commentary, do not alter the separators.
{"hour": 2, "minute": 11}
